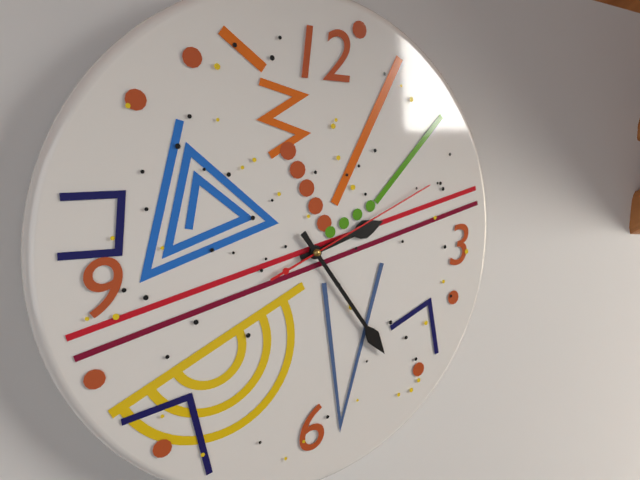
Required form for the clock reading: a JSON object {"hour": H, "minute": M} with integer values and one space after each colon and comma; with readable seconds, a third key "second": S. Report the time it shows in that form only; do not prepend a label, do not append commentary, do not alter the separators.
{"hour": 2, "minute": 24, "second": 11}
